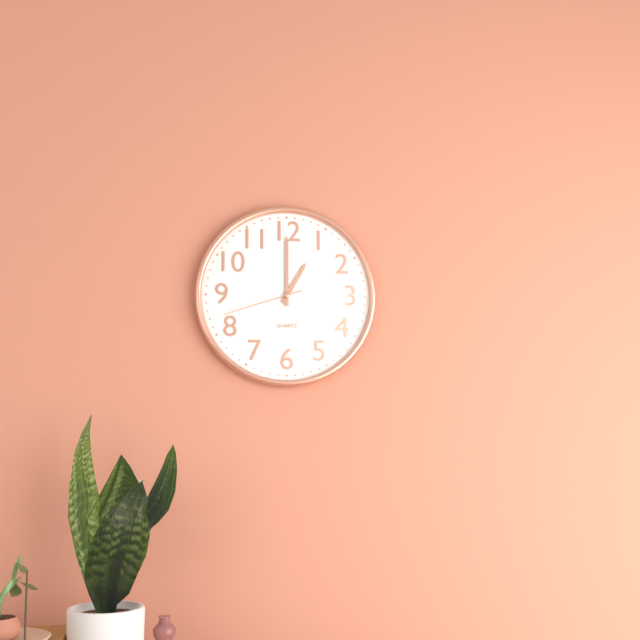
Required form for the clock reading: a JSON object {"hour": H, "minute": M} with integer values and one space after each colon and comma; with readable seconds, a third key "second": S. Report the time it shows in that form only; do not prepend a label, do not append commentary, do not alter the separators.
{"hour": 1, "minute": 0, "second": 42}
